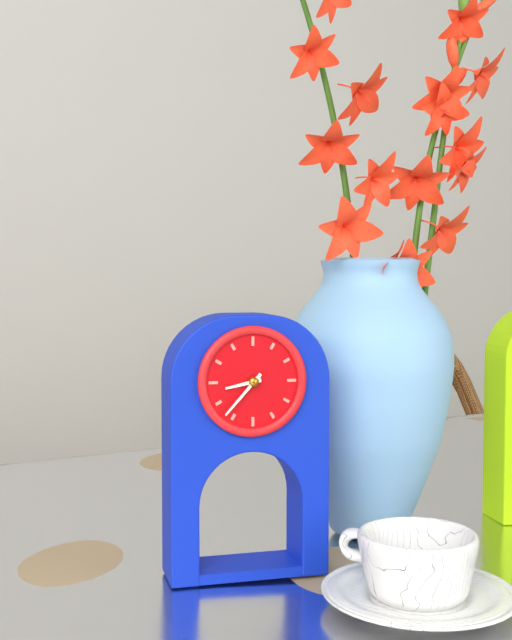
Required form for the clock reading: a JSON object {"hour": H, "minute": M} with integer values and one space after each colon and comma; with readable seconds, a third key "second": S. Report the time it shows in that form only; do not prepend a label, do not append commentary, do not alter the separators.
{"hour": 8, "minute": 37}
